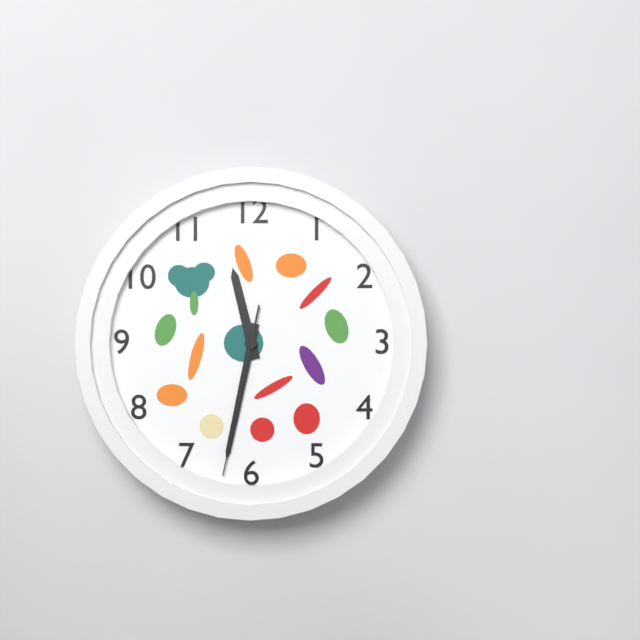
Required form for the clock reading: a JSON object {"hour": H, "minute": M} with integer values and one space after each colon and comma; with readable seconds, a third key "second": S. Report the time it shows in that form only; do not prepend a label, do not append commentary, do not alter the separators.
{"hour": 11, "minute": 32, "second": 32}
